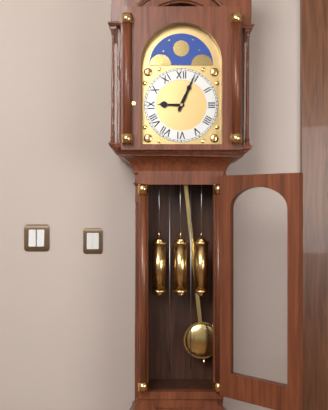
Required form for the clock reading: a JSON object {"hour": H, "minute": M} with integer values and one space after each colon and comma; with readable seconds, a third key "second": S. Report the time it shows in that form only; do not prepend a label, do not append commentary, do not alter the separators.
{"hour": 9, "minute": 4}
